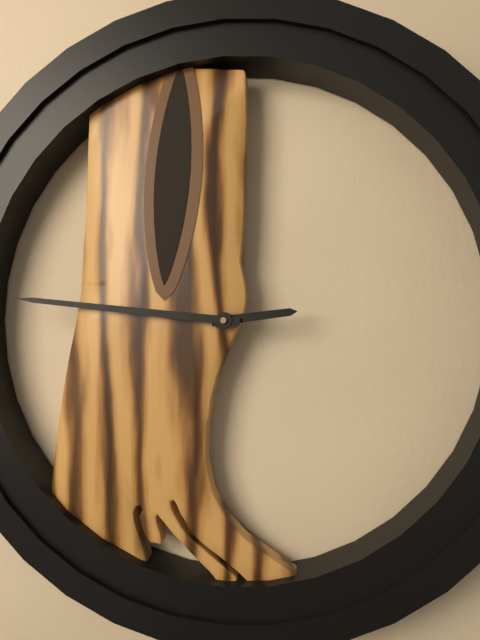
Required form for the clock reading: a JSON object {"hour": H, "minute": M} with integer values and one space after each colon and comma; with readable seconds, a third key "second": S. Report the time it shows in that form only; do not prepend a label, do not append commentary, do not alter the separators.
{"hour": 2, "minute": 46}
